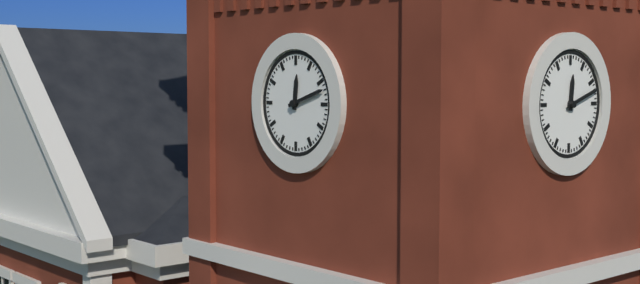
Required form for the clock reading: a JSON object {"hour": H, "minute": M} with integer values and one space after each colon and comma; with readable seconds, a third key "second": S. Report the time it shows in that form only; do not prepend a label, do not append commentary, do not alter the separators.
{"hour": 12, "minute": 12}
